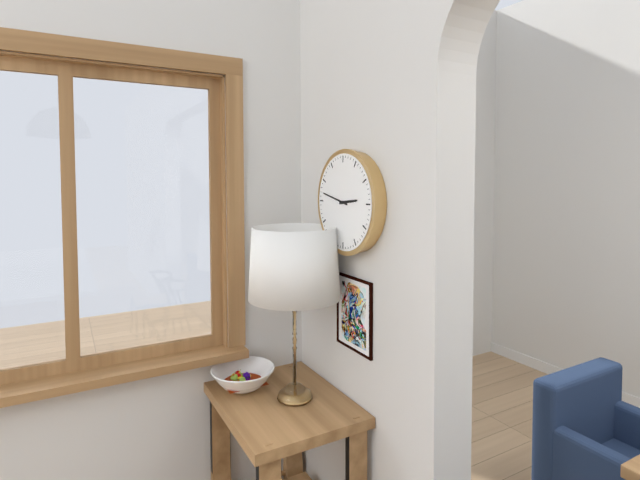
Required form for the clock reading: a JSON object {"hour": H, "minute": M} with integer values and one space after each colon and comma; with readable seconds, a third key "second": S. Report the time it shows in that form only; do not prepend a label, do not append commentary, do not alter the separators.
{"hour": 2, "minute": 47}
